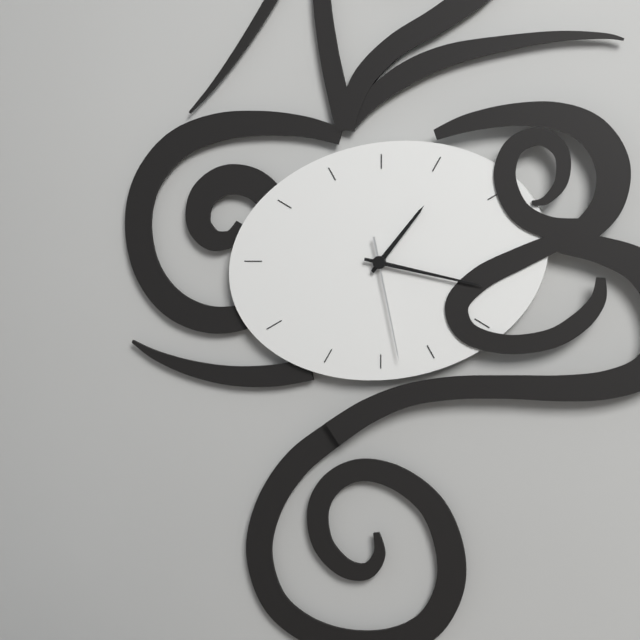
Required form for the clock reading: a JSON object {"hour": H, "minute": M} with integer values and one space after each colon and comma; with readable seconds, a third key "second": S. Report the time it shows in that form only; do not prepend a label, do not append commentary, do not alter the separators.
{"hour": 1, "minute": 17, "second": 28}
